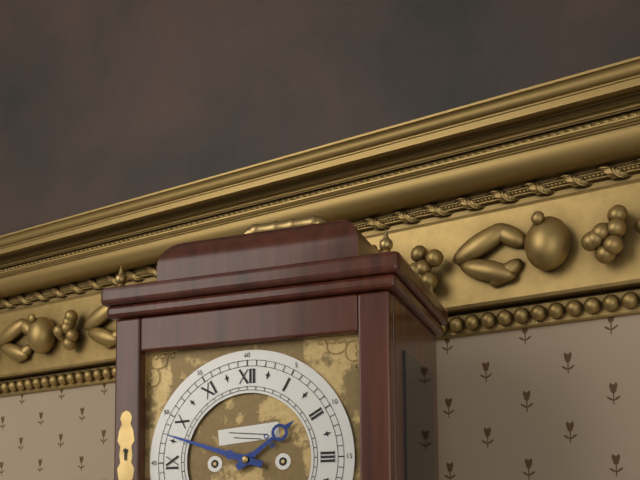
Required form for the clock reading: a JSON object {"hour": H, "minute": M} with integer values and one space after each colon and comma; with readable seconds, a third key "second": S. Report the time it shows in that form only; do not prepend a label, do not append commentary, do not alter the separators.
{"hour": 1, "minute": 48}
